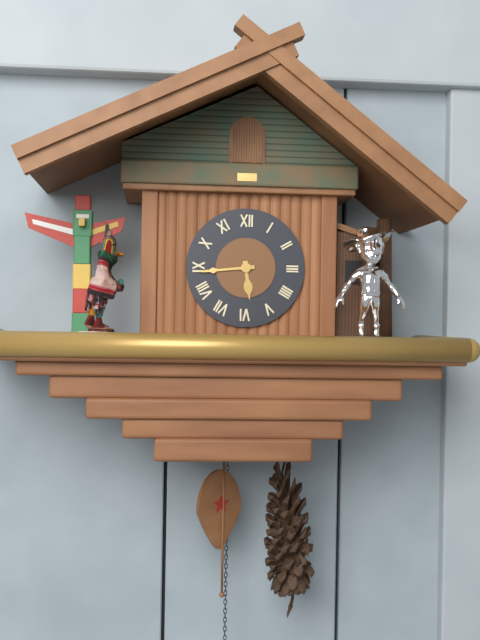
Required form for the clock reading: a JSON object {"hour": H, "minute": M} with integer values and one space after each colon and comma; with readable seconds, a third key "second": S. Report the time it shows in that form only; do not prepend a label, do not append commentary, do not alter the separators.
{"hour": 5, "minute": 44}
